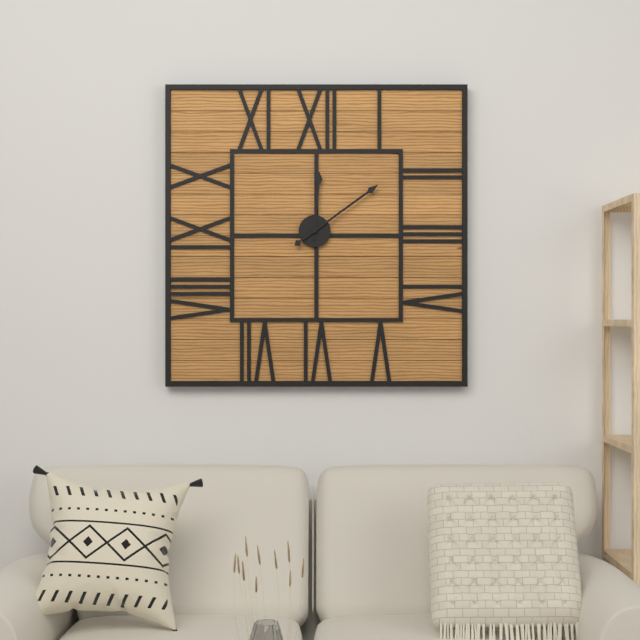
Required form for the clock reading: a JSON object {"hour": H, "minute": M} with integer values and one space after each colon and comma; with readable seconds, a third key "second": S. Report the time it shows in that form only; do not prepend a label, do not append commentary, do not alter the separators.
{"hour": 12, "minute": 9}
